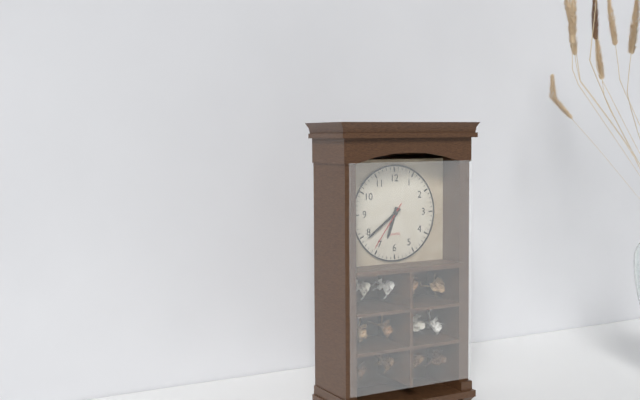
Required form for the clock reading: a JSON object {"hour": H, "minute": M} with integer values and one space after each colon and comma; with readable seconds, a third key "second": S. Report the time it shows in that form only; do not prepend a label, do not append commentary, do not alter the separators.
{"hour": 6, "minute": 39, "second": 36}
